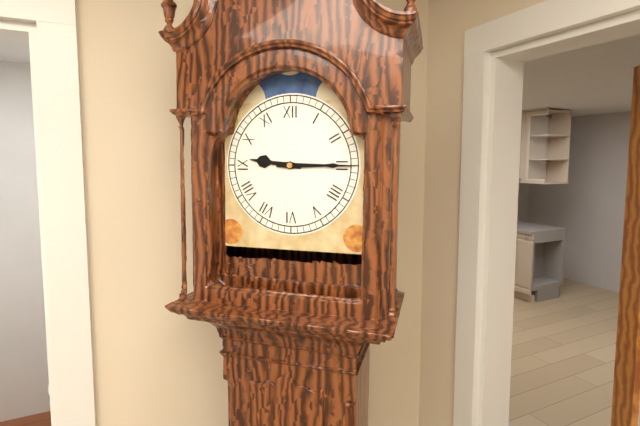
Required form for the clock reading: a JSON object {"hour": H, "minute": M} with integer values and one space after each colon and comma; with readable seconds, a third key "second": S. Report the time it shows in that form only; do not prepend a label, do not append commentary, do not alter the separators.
{"hour": 9, "minute": 15}
